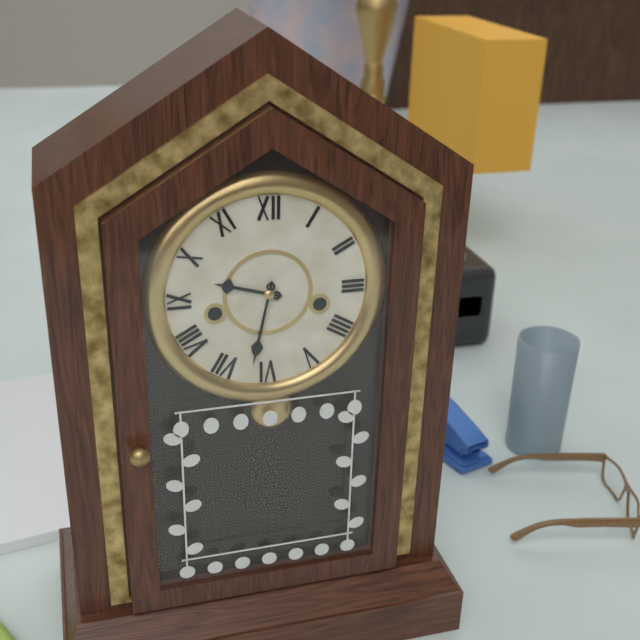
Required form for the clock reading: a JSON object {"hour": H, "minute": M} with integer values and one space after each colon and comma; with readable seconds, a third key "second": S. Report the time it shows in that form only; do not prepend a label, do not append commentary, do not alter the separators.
{"hour": 9, "minute": 32}
